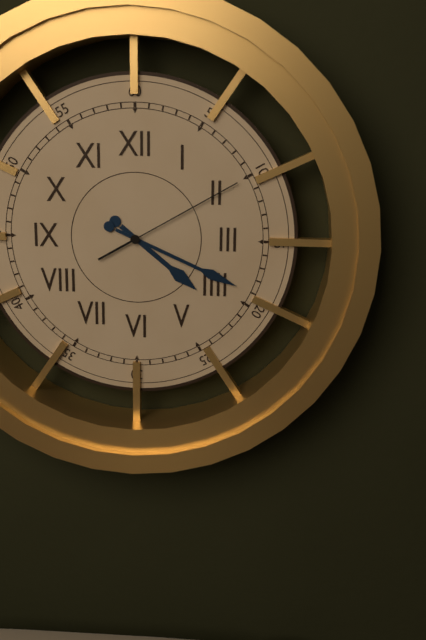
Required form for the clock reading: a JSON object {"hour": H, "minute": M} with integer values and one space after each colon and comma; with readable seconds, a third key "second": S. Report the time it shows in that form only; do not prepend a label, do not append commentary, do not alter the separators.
{"hour": 4, "minute": 19, "second": 10}
